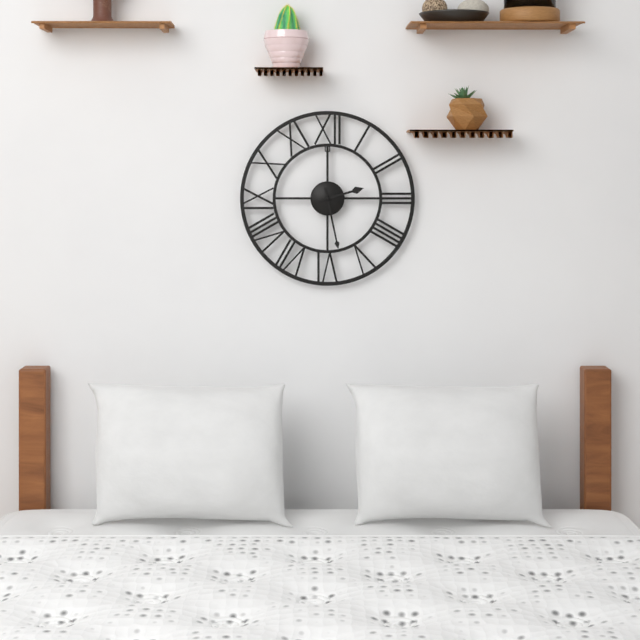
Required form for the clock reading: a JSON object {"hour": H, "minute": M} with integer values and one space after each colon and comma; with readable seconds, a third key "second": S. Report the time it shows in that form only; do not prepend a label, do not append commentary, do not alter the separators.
{"hour": 2, "minute": 28}
